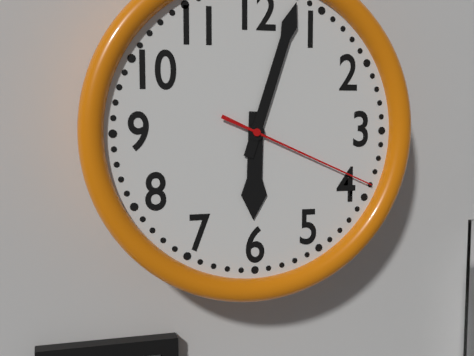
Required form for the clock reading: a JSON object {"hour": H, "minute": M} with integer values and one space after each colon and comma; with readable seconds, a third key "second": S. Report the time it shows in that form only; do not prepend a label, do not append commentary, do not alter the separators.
{"hour": 6, "minute": 3, "second": 19}
